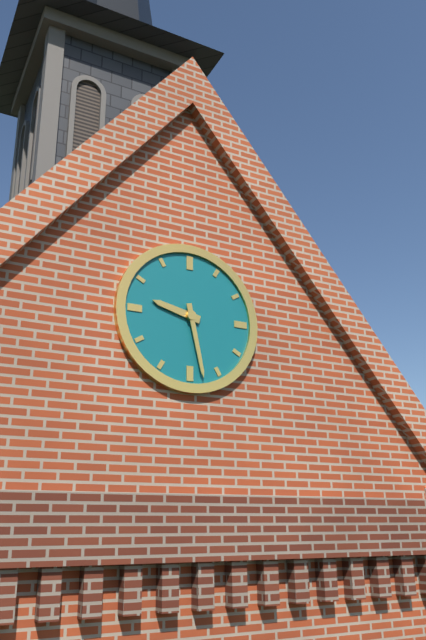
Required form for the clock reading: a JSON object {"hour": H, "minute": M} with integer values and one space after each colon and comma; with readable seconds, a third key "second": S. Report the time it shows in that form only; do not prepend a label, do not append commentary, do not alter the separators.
{"hour": 9, "minute": 28}
